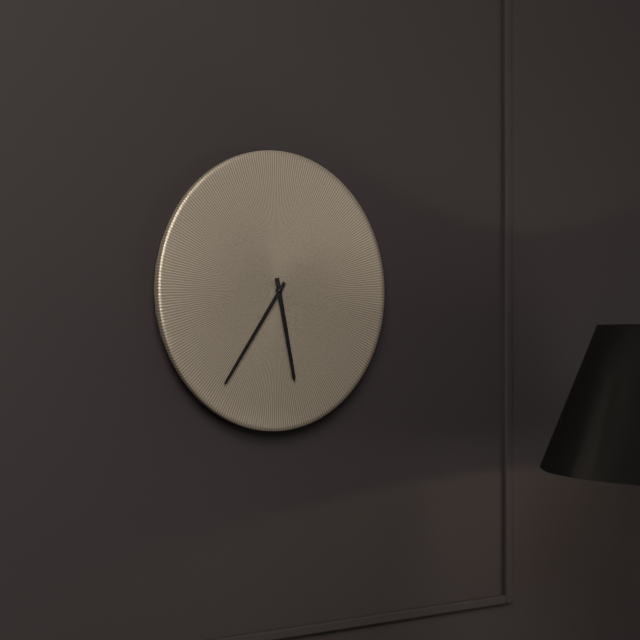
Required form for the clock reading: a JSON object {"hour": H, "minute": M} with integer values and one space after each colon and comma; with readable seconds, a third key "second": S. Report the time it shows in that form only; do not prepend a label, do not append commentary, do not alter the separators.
{"hour": 5, "minute": 36}
